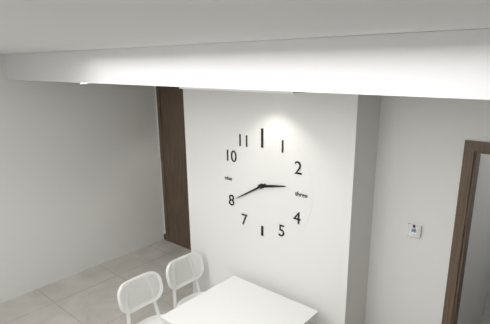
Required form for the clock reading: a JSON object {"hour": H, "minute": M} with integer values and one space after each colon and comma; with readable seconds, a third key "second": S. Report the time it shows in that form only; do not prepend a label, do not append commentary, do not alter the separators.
{"hour": 2, "minute": 40}
